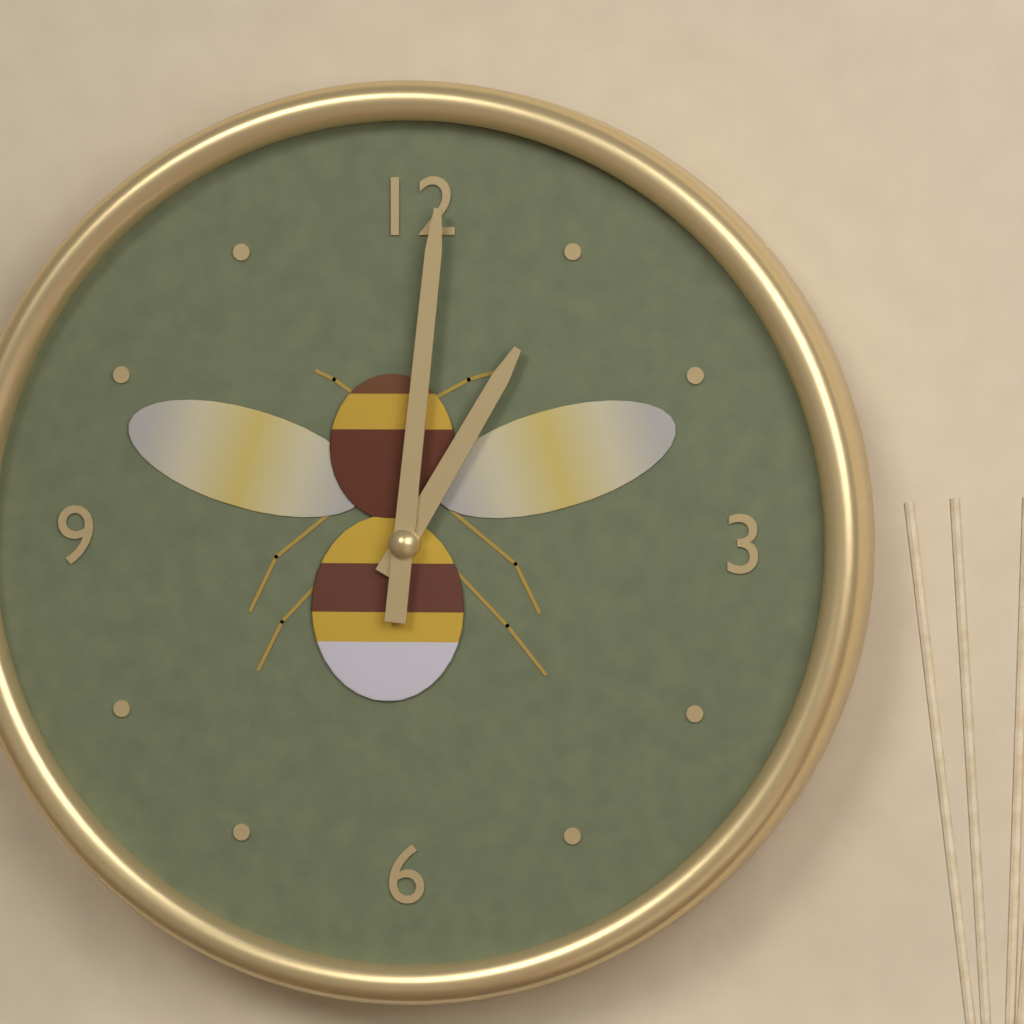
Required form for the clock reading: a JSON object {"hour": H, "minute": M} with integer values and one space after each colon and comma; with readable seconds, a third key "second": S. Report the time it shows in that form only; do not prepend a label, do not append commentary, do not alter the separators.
{"hour": 1, "minute": 1}
